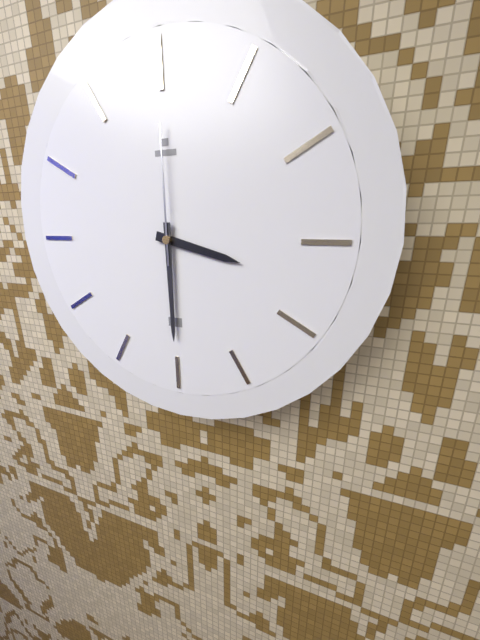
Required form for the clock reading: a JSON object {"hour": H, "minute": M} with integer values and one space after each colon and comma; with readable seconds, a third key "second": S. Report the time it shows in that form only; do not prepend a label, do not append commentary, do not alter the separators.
{"hour": 3, "minute": 30, "second": 0}
